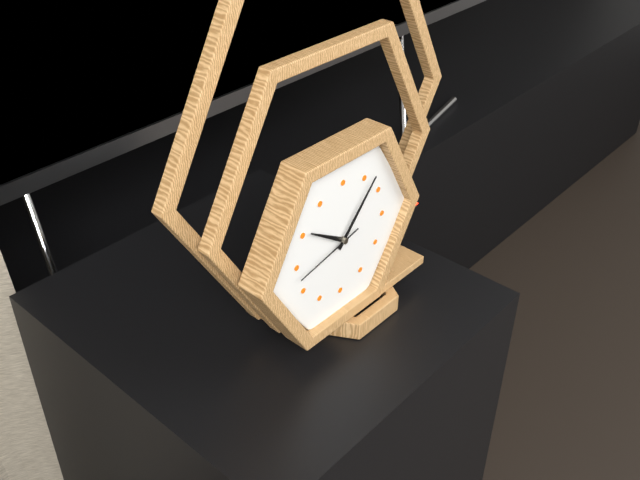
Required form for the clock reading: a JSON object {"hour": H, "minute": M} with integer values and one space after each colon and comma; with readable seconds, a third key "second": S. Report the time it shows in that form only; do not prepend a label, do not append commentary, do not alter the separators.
{"hour": 10, "minute": 7, "second": 43}
